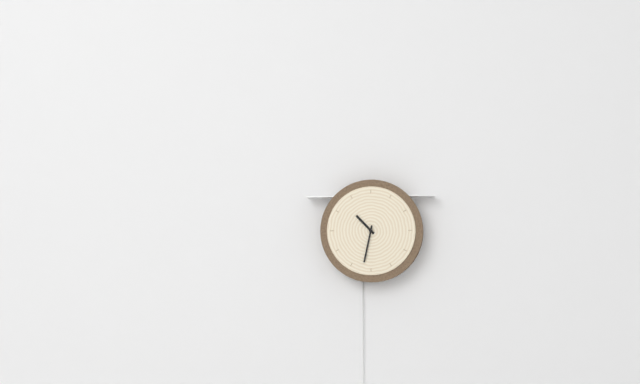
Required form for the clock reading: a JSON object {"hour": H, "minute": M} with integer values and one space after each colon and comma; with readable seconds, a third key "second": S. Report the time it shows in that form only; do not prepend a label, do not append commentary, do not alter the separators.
{"hour": 10, "minute": 32}
